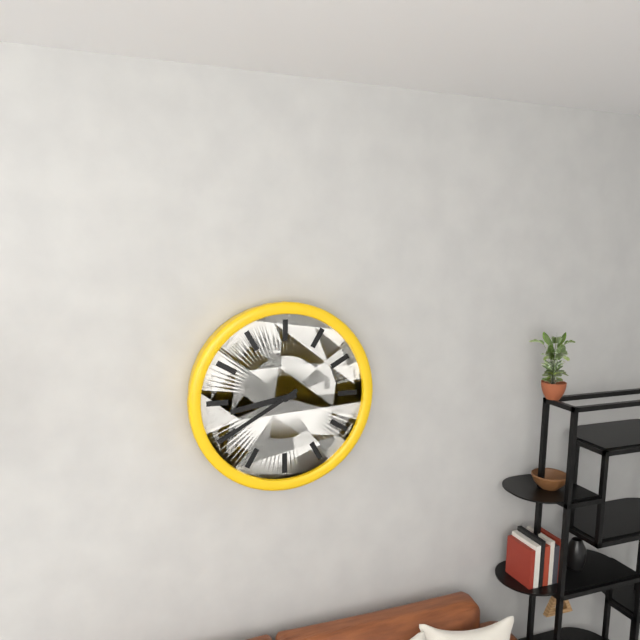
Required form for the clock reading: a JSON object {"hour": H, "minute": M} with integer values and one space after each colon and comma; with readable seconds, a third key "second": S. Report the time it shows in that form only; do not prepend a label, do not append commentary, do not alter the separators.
{"hour": 8, "minute": 40}
